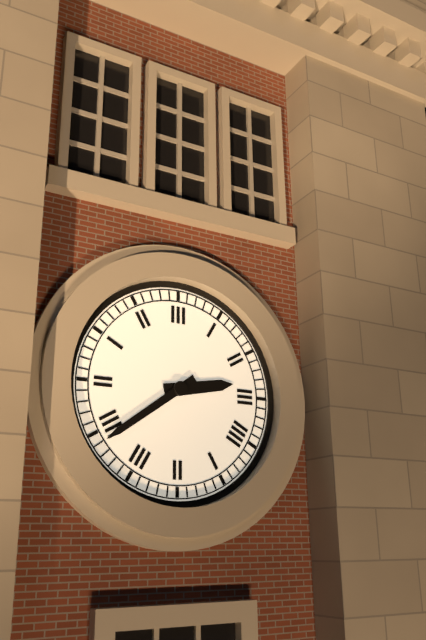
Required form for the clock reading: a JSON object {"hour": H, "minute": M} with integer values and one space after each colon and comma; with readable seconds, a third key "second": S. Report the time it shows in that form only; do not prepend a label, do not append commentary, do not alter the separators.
{"hour": 2, "minute": 39}
